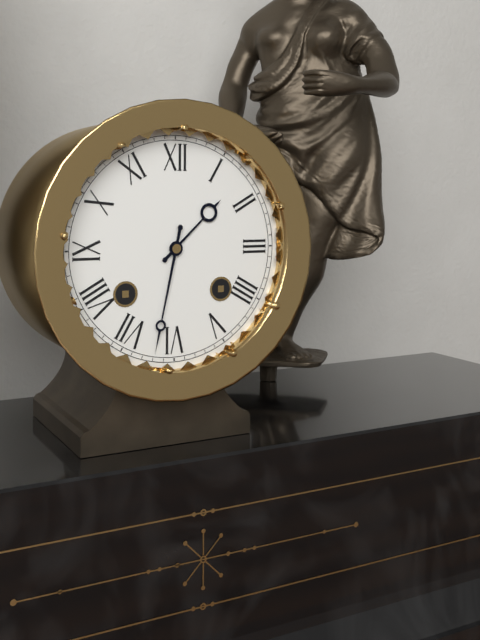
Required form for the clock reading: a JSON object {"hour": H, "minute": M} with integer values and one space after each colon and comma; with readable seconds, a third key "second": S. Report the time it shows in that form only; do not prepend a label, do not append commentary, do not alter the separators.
{"hour": 1, "minute": 32}
